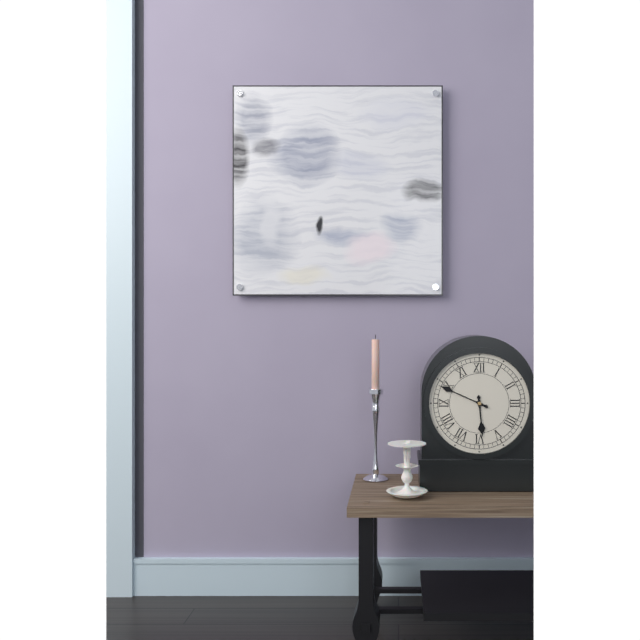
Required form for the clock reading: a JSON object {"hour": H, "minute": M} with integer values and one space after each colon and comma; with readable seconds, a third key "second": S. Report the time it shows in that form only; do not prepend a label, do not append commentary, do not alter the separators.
{"hour": 5, "minute": 49}
